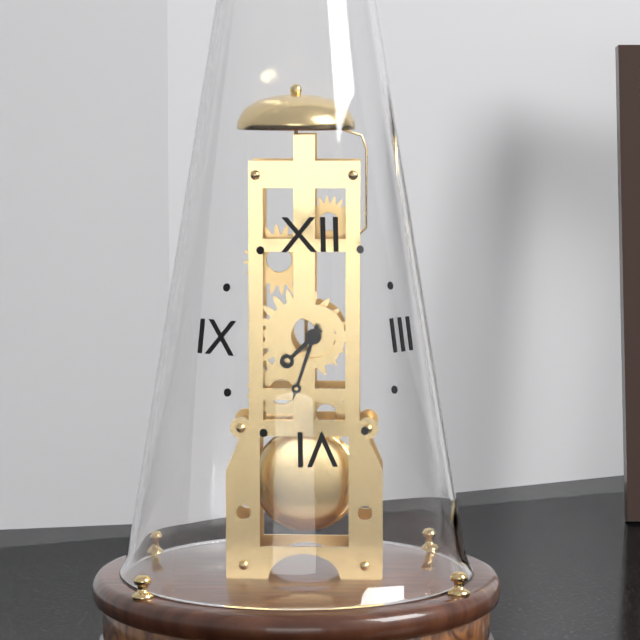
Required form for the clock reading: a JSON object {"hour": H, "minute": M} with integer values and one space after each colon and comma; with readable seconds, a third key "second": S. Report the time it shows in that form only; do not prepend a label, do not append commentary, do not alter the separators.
{"hour": 7, "minute": 33}
